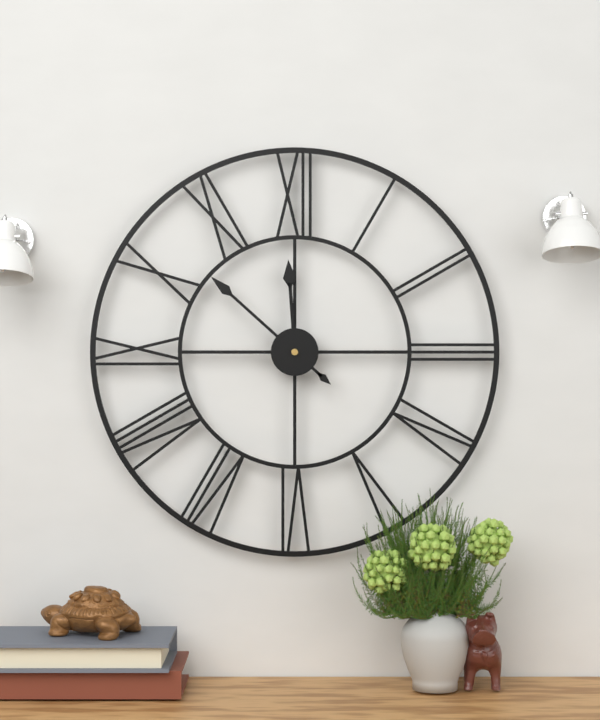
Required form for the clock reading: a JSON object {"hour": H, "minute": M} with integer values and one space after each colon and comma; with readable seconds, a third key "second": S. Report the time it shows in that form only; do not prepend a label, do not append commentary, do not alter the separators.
{"hour": 11, "minute": 52}
